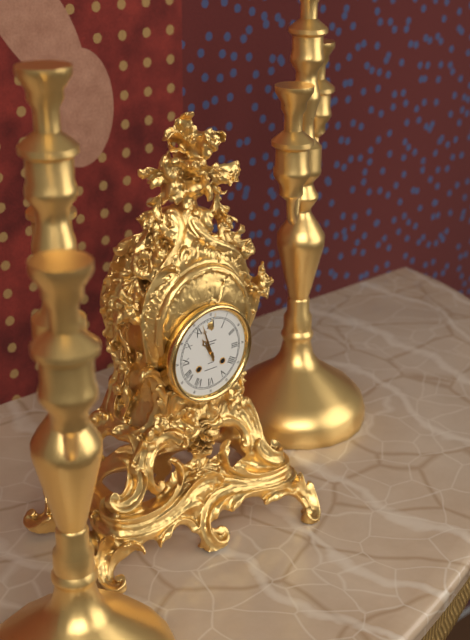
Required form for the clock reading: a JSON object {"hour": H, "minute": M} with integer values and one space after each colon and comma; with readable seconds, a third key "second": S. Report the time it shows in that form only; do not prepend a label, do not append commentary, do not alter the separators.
{"hour": 10, "minute": 57}
